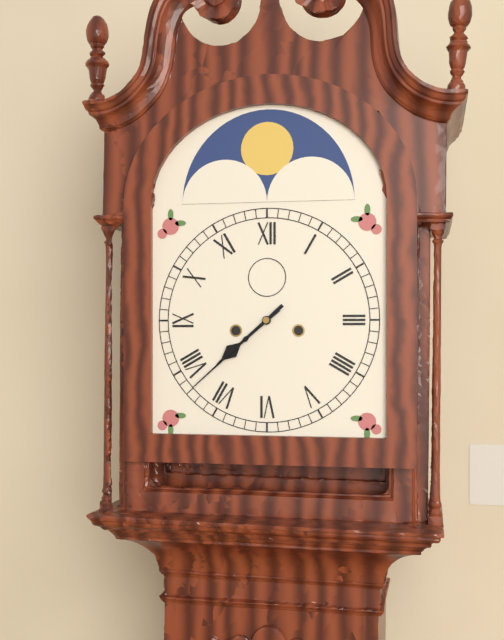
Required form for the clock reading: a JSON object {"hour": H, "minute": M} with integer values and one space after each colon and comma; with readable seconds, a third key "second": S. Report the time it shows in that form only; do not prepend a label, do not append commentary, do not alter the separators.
{"hour": 7, "minute": 38}
